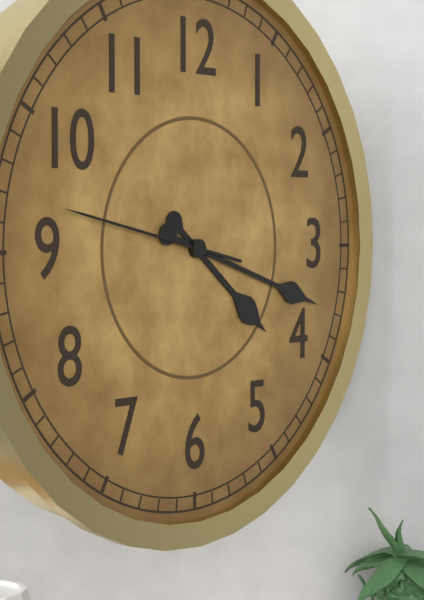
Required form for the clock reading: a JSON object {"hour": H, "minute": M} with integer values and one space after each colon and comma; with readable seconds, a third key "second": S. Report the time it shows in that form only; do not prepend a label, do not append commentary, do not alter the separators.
{"hour": 4, "minute": 18, "second": 47}
